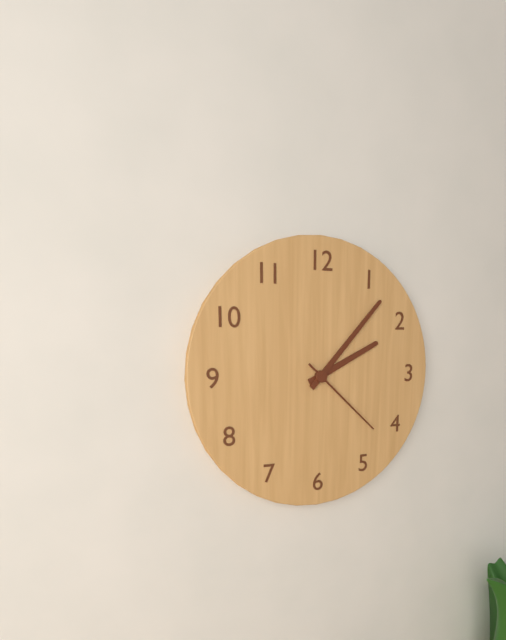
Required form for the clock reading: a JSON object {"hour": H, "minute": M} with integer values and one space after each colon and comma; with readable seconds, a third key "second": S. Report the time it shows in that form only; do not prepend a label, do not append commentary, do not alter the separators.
{"hour": 2, "minute": 7, "second": 22}
